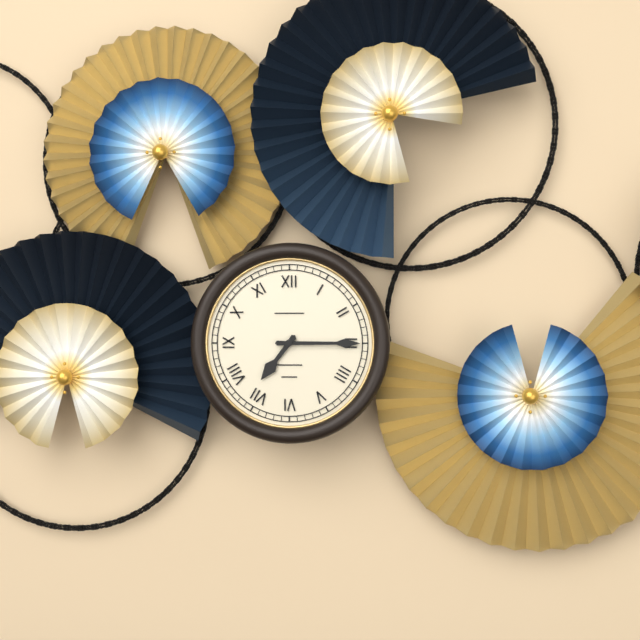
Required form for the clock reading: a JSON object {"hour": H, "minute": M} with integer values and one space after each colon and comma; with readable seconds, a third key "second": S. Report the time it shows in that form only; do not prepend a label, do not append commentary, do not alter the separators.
{"hour": 7, "minute": 15}
